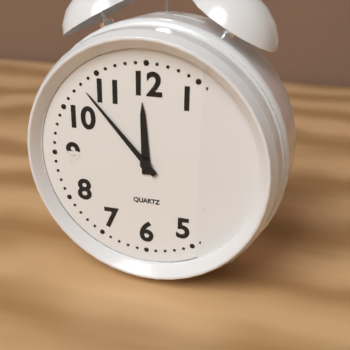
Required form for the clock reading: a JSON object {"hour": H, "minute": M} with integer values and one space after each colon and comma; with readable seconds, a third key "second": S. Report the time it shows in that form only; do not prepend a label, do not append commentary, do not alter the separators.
{"hour": 11, "minute": 53}
